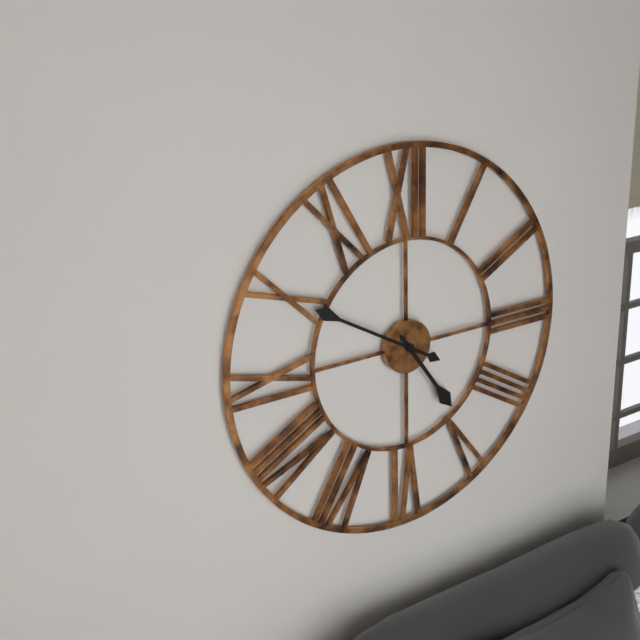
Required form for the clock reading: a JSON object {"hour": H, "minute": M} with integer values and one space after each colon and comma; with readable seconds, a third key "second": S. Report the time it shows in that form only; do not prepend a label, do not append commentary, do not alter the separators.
{"hour": 4, "minute": 50}
